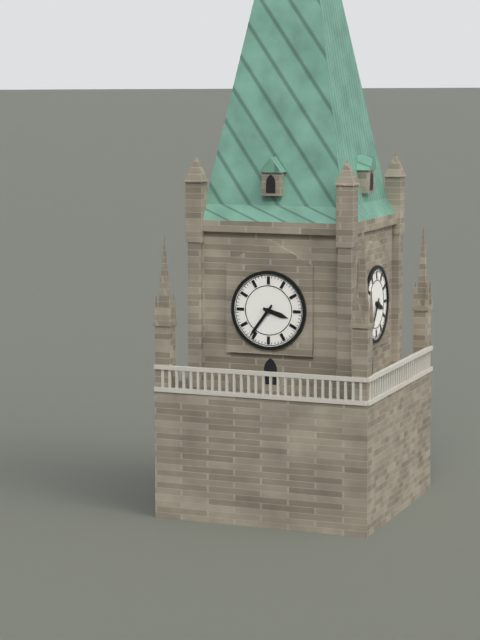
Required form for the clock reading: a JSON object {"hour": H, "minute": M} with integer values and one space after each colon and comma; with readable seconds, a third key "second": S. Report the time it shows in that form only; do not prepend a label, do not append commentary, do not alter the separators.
{"hour": 3, "minute": 36}
